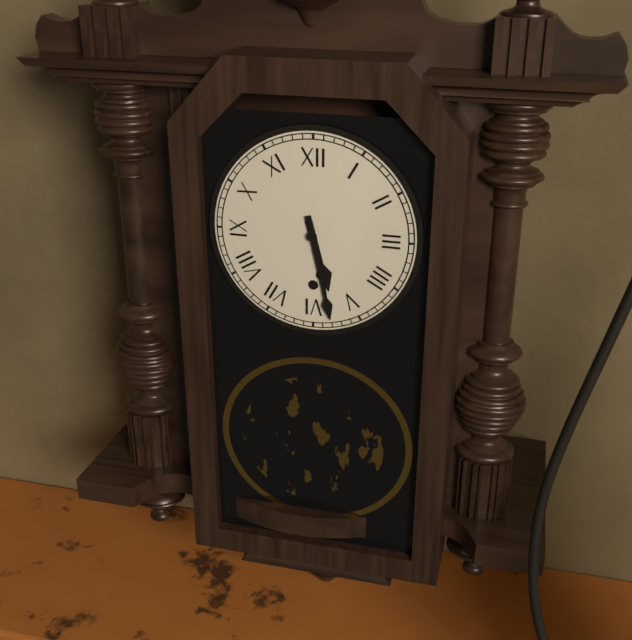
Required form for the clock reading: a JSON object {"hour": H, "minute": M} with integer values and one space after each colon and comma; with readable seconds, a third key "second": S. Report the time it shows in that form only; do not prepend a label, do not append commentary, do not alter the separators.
{"hour": 5, "minute": 28}
